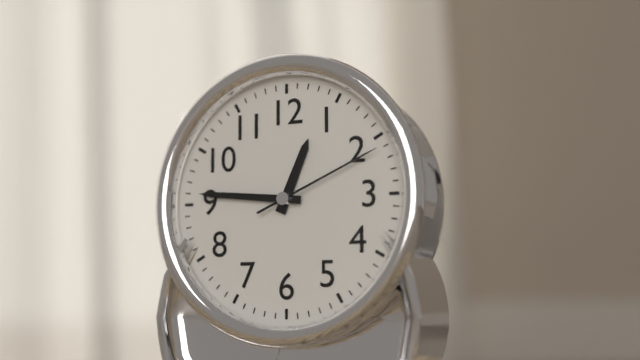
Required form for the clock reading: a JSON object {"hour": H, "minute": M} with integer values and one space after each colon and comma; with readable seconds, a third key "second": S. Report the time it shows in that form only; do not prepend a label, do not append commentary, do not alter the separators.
{"hour": 12, "minute": 46, "second": 11}
